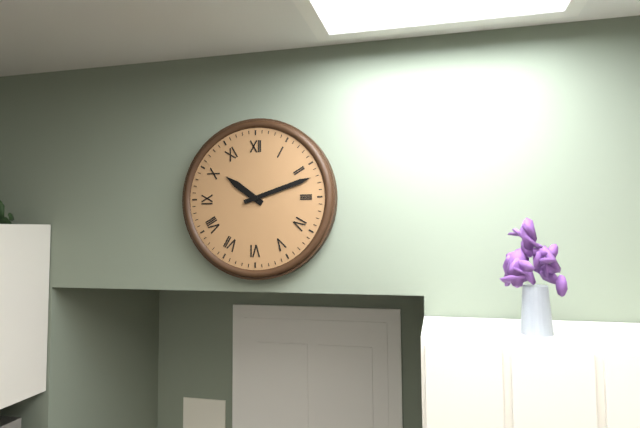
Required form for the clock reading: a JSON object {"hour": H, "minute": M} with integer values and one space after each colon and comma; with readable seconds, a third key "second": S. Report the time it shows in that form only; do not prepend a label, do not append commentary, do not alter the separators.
{"hour": 10, "minute": 12}
